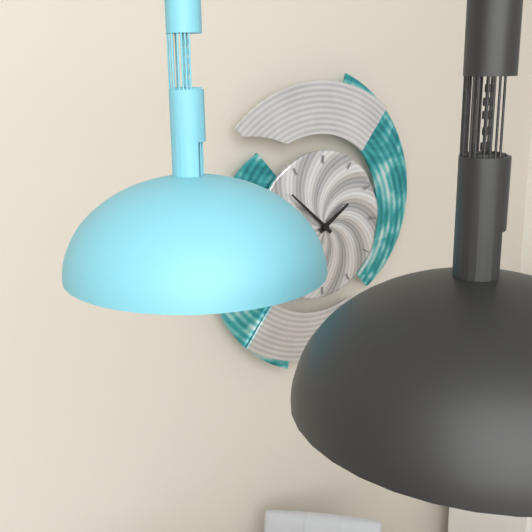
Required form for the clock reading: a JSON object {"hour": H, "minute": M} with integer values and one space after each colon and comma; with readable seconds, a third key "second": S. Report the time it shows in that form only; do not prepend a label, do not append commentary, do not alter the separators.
{"hour": 1, "minute": 52}
